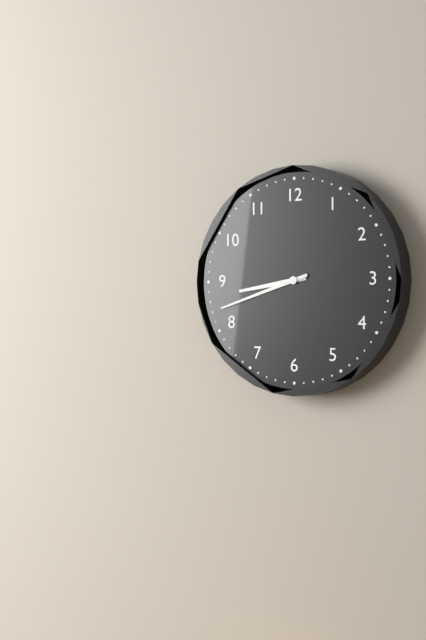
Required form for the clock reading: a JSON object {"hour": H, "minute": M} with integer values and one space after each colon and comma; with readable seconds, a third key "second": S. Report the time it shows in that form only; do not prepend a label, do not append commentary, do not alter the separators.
{"hour": 8, "minute": 42}
